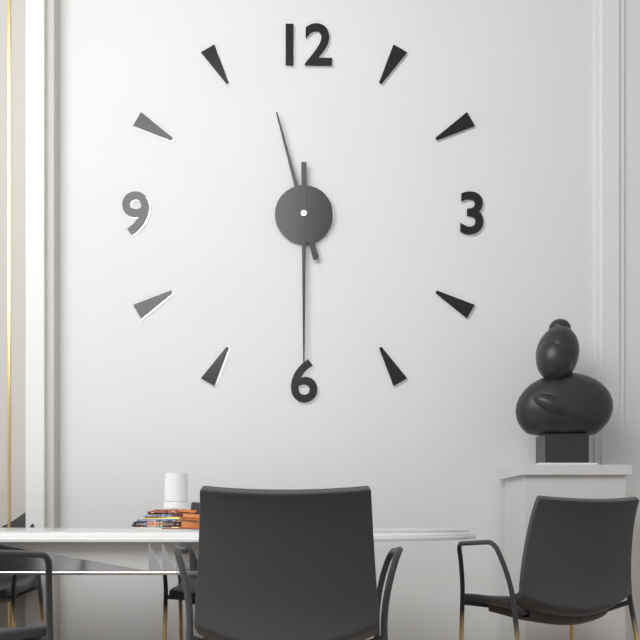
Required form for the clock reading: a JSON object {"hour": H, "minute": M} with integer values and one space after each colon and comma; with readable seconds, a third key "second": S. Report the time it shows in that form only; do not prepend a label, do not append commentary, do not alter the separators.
{"hour": 11, "minute": 30}
